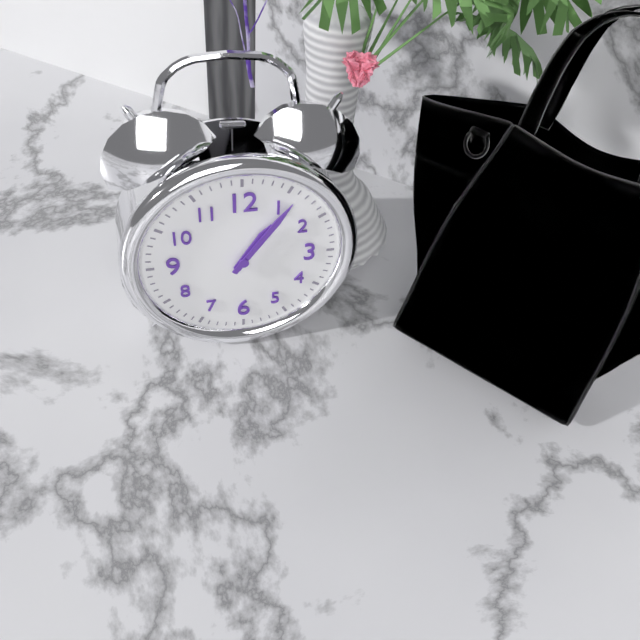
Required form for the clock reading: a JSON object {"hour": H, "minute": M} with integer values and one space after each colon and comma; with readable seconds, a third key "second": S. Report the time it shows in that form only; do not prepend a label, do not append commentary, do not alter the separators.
{"hour": 1, "minute": 6}
